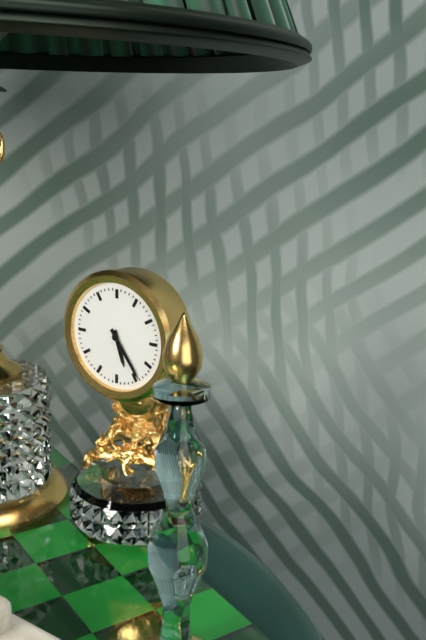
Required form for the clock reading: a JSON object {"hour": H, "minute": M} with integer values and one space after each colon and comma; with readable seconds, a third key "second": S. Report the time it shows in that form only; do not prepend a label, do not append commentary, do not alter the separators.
{"hour": 5, "minute": 24}
